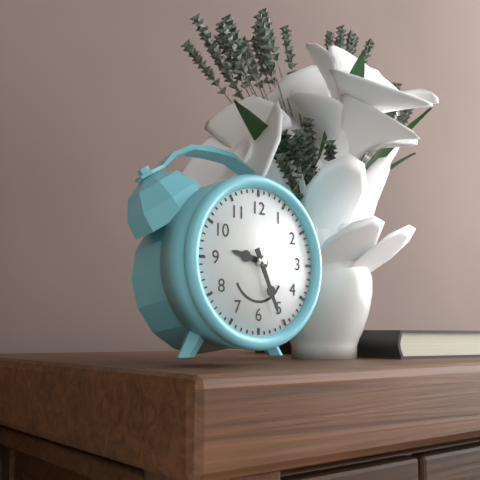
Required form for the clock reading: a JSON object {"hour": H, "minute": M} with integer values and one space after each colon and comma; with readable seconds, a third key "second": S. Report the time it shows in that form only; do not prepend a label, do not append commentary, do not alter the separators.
{"hour": 9, "minute": 26}
